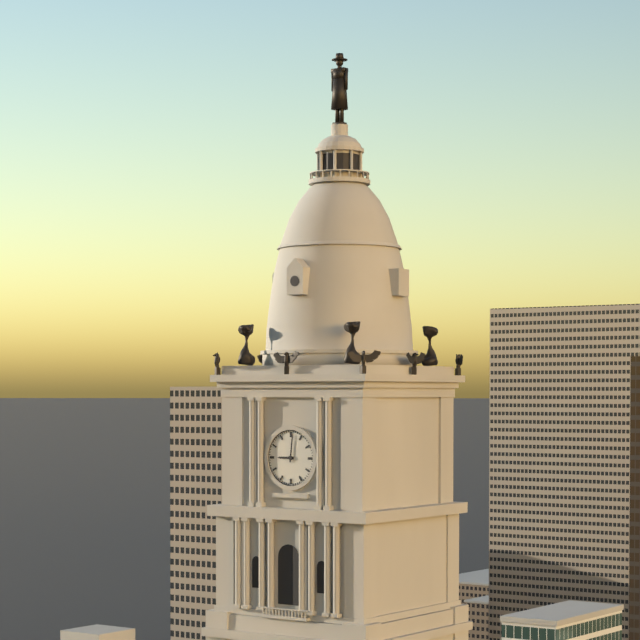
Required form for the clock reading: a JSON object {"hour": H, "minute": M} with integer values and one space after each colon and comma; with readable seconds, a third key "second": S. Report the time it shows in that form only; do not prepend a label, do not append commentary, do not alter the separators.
{"hour": 9, "minute": 1}
